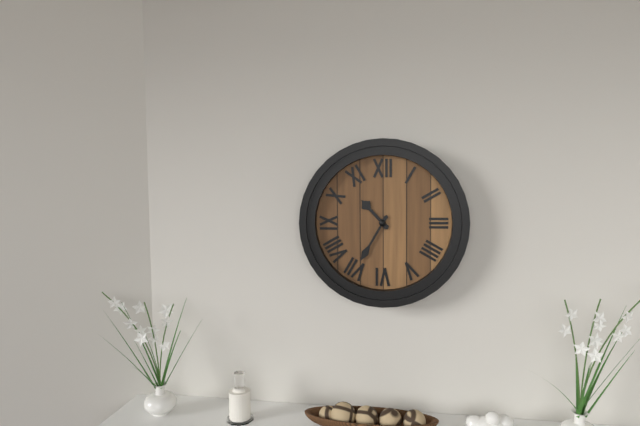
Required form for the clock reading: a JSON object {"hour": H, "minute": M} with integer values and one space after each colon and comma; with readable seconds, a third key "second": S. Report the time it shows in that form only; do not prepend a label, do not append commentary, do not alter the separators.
{"hour": 10, "minute": 35}
